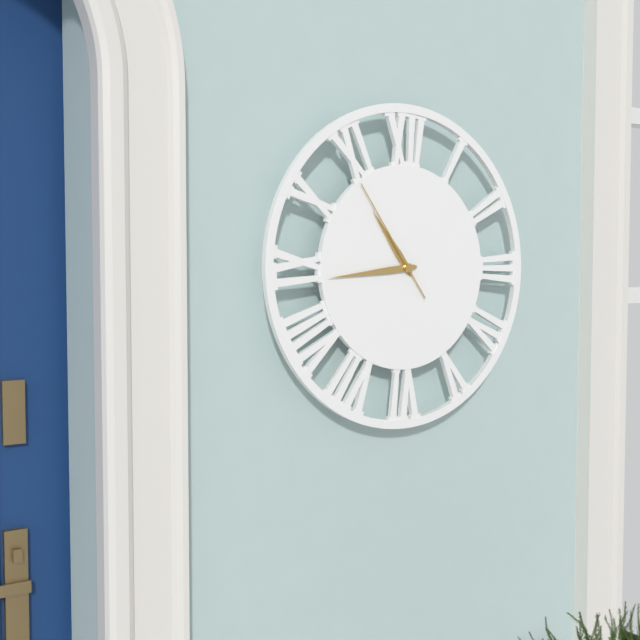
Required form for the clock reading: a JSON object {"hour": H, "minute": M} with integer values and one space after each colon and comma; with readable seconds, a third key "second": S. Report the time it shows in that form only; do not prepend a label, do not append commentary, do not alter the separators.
{"hour": 10, "minute": 44, "second": 54}
